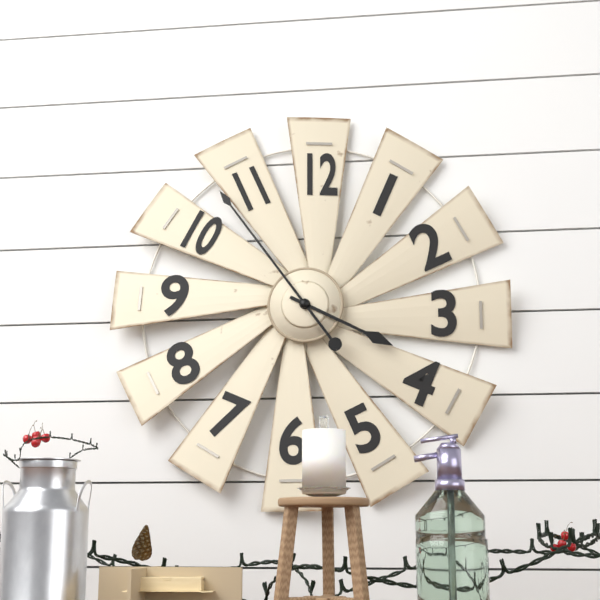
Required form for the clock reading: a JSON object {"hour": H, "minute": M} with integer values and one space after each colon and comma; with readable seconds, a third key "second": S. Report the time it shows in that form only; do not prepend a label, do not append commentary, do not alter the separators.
{"hour": 3, "minute": 54}
